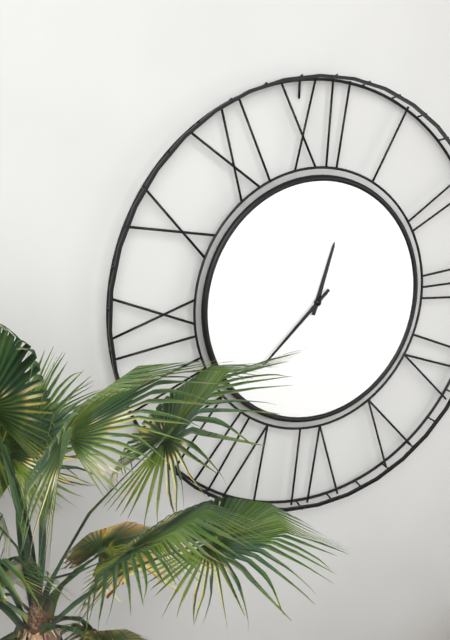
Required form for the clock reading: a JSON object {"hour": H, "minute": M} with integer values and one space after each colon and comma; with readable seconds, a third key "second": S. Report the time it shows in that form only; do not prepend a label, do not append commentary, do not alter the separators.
{"hour": 12, "minute": 38}
